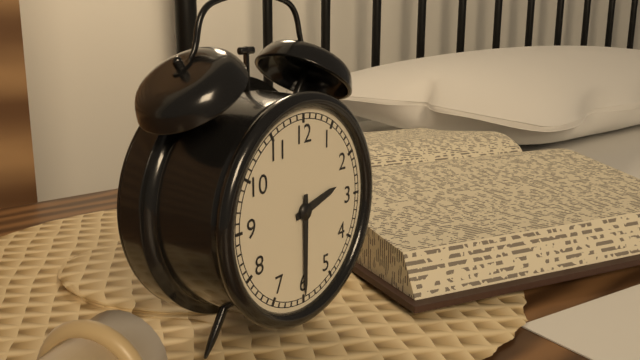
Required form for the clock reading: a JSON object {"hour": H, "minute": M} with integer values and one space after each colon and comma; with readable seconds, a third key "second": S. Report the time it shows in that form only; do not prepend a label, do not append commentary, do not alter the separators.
{"hour": 2, "minute": 30}
